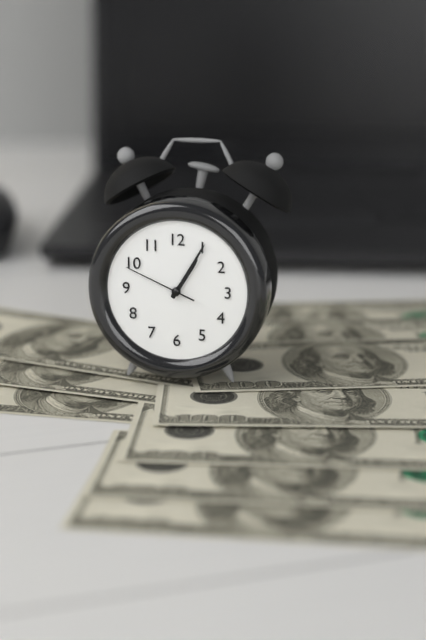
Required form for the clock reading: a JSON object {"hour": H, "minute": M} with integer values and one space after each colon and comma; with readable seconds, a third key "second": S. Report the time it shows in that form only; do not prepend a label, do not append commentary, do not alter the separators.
{"hour": 1, "minute": 5, "second": 49}
